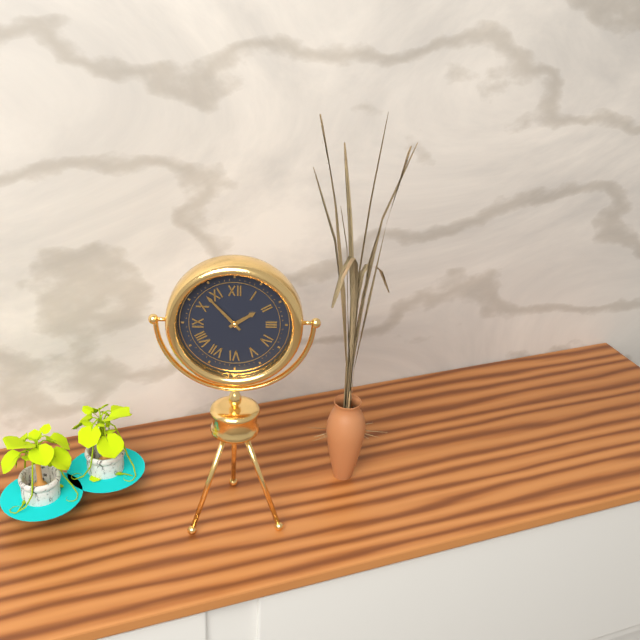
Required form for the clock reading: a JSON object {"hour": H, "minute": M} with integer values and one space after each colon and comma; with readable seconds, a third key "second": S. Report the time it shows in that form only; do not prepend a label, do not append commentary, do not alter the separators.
{"hour": 1, "minute": 53}
